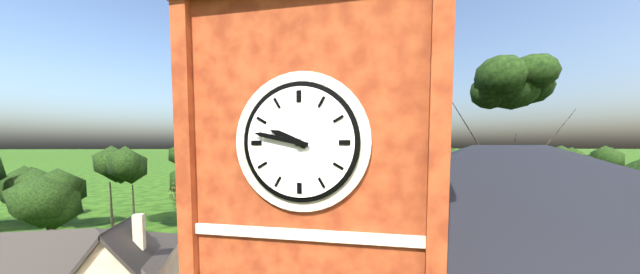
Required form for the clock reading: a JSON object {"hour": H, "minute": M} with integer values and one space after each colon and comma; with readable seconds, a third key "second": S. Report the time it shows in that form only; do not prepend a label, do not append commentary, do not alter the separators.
{"hour": 9, "minute": 47}
